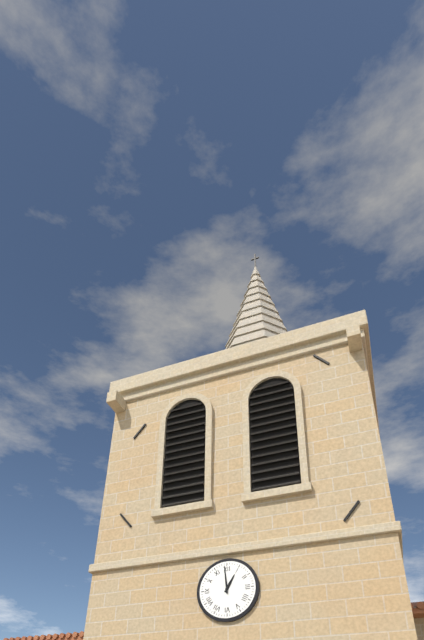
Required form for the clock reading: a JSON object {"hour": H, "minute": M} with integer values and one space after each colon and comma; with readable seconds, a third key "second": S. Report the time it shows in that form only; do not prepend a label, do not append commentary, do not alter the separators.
{"hour": 12, "minute": 59}
